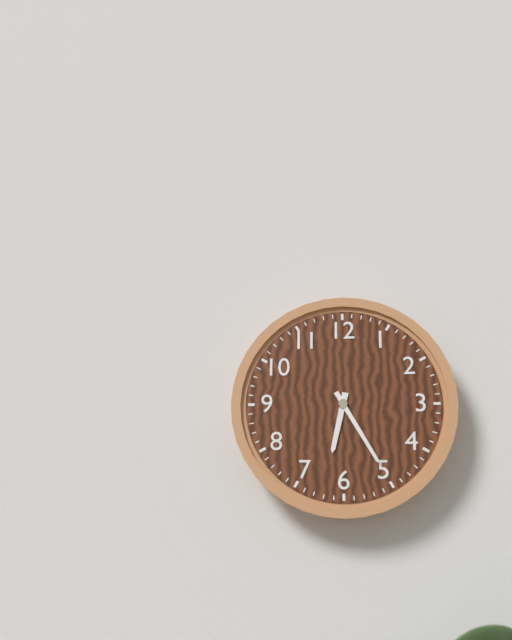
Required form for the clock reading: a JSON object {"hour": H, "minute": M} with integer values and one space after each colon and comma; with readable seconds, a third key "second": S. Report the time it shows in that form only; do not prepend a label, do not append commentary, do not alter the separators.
{"hour": 6, "minute": 25}
